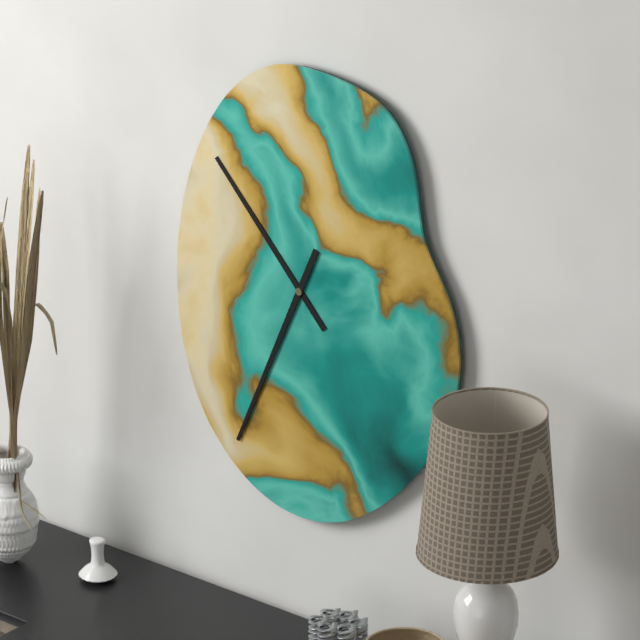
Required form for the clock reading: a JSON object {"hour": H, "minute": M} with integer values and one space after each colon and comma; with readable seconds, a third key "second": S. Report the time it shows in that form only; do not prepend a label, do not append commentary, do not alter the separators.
{"hour": 10, "minute": 34}
